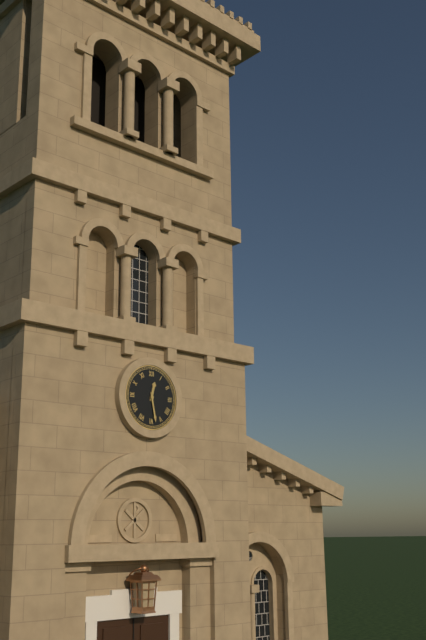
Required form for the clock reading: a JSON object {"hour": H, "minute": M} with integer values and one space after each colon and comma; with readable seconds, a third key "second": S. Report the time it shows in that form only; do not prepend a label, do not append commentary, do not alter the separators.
{"hour": 12, "minute": 28}
